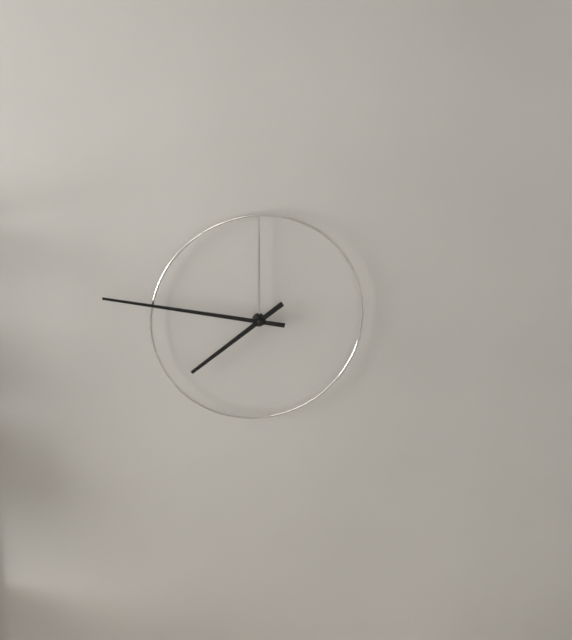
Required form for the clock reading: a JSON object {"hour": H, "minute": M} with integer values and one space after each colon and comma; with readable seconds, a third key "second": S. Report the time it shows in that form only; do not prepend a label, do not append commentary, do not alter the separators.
{"hour": 7, "minute": 47}
